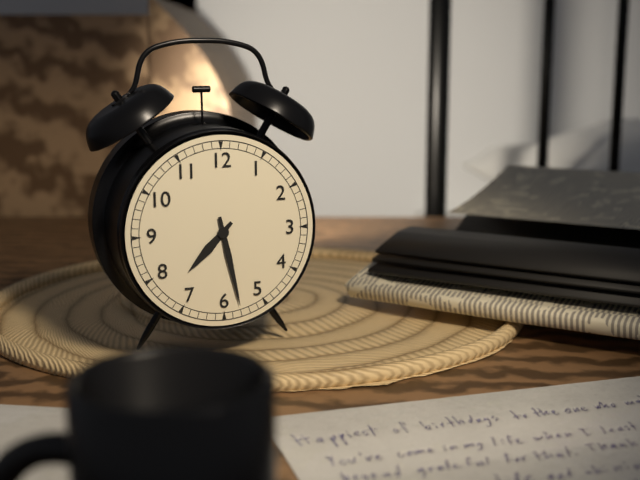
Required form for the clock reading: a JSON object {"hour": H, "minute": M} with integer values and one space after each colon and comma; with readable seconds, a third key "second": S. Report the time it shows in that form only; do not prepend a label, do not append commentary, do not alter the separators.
{"hour": 7, "minute": 28}
